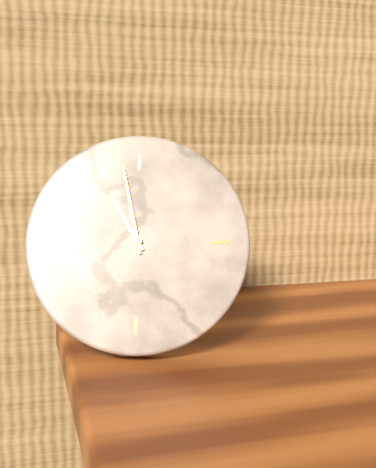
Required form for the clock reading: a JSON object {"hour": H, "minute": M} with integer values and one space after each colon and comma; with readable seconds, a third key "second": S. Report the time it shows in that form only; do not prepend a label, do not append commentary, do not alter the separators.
{"hour": 10, "minute": 58}
